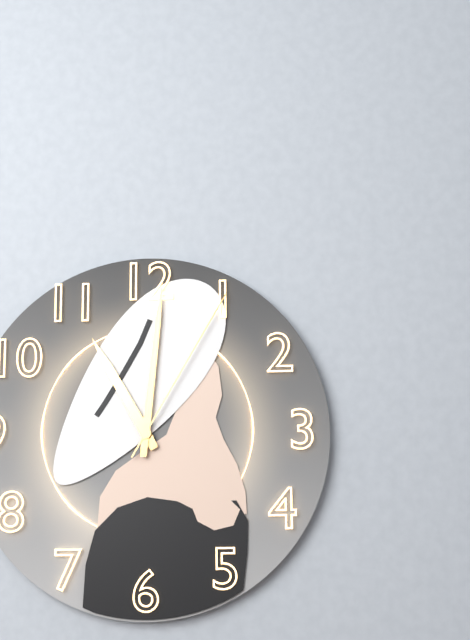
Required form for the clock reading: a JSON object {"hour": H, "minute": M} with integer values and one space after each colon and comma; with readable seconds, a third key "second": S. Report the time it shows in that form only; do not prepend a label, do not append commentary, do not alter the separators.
{"hour": 11, "minute": 1, "second": 5}
